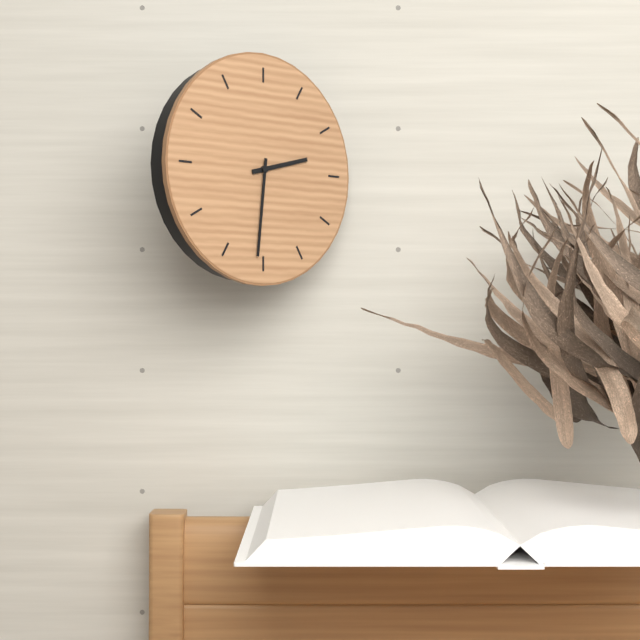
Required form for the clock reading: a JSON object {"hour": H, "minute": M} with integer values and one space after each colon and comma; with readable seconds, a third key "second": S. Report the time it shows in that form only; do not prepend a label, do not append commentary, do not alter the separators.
{"hour": 2, "minute": 31}
